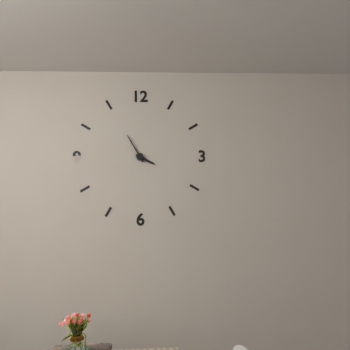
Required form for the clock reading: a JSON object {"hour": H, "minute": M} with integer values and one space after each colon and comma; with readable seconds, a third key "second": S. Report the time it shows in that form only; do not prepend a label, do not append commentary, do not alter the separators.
{"hour": 3, "minute": 55}
